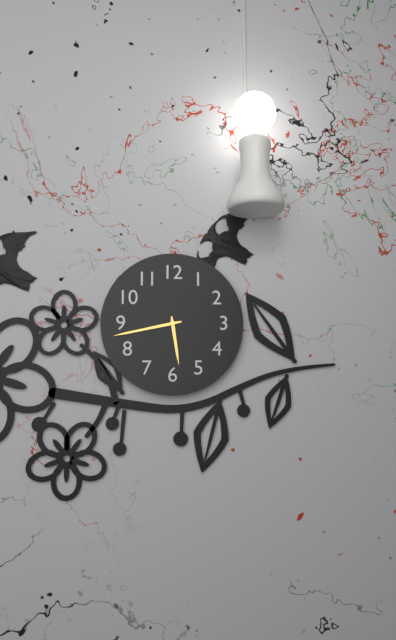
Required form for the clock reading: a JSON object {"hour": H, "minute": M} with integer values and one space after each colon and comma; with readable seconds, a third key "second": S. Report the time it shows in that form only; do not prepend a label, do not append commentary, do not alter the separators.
{"hour": 5, "minute": 43}
